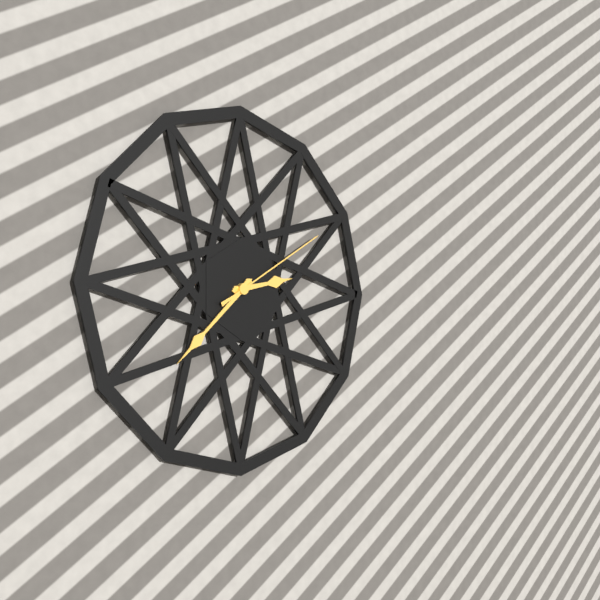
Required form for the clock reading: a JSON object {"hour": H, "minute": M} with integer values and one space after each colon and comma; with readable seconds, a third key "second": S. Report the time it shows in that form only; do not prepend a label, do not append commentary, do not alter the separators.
{"hour": 2, "minute": 38, "second": 10}
